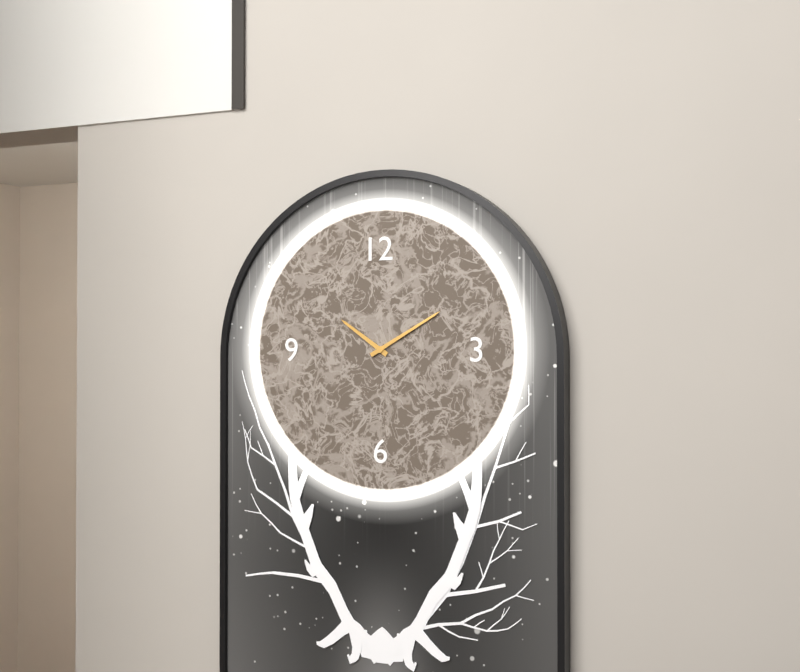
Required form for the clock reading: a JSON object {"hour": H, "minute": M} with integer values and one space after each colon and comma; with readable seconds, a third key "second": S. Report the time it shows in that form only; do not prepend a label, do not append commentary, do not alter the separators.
{"hour": 10, "minute": 10}
